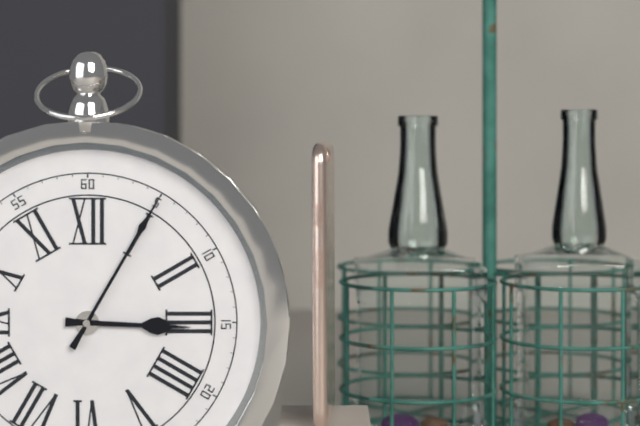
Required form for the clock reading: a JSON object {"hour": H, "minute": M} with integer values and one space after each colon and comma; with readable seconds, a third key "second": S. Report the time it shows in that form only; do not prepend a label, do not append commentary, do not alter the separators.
{"hour": 3, "minute": 5}
